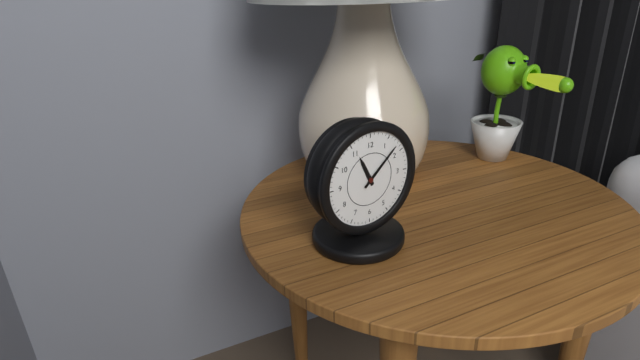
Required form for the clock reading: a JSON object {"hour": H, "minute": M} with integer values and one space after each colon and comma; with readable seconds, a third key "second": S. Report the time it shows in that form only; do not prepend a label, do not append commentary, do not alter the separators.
{"hour": 11, "minute": 8}
